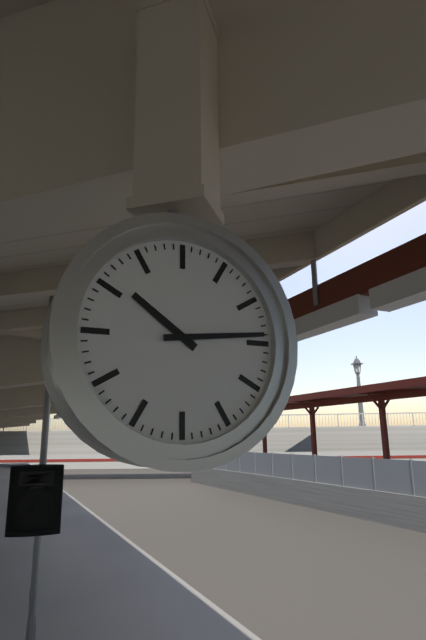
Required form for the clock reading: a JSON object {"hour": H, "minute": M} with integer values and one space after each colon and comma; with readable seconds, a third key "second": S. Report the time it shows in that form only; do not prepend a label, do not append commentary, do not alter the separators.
{"hour": 10, "minute": 14}
